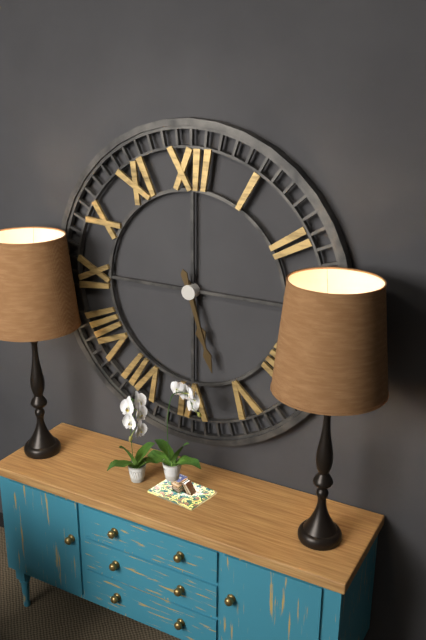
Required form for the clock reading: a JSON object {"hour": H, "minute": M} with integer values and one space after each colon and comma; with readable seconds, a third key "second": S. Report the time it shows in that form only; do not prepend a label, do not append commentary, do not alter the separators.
{"hour": 5, "minute": 27}
